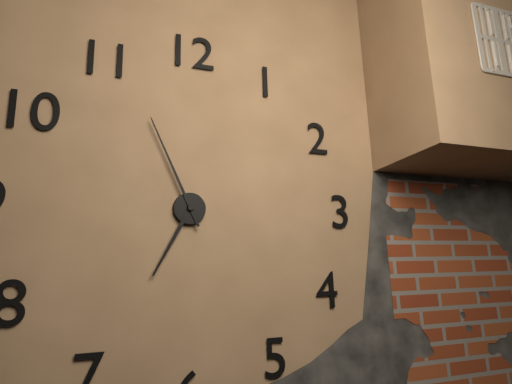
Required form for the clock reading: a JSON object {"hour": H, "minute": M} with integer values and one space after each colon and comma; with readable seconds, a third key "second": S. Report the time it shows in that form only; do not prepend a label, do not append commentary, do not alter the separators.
{"hour": 6, "minute": 56}
